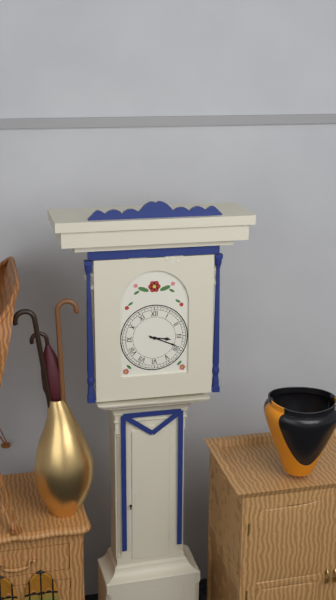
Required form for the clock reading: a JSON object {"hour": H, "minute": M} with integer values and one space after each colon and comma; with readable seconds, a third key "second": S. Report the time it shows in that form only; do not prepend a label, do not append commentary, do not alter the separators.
{"hour": 3, "minute": 19}
